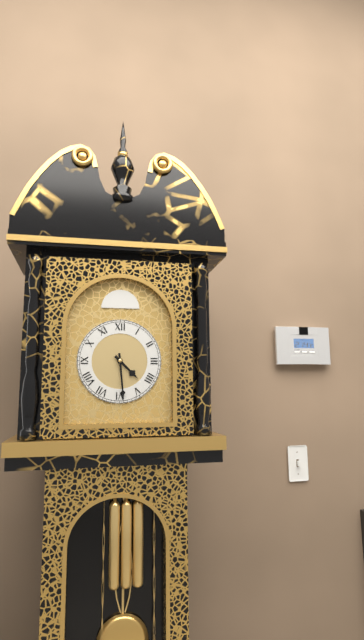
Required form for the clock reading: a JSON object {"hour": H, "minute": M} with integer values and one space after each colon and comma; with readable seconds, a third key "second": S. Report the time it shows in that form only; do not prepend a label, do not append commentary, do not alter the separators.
{"hour": 4, "minute": 29}
